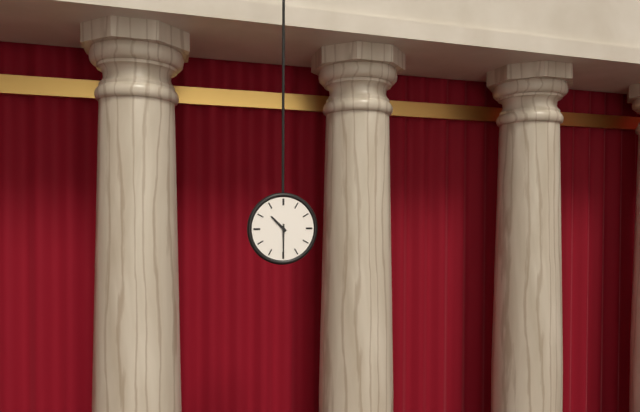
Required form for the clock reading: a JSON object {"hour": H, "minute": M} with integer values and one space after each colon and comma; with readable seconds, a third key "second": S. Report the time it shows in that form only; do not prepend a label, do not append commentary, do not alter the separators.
{"hour": 10, "minute": 30}
